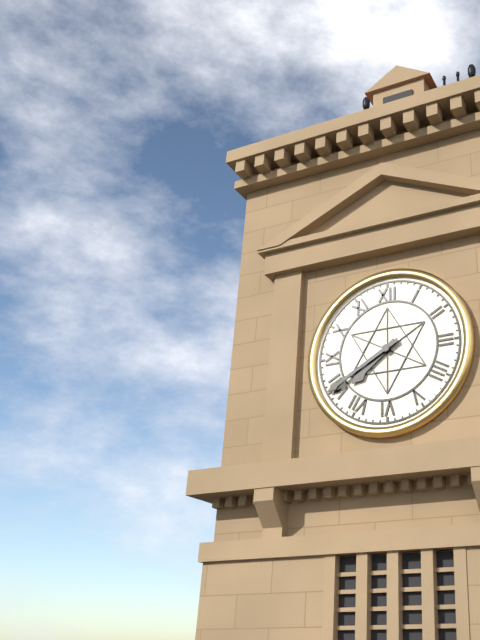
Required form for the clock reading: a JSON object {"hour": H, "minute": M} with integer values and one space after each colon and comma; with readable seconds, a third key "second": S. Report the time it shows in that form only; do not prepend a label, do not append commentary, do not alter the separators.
{"hour": 7, "minute": 40}
